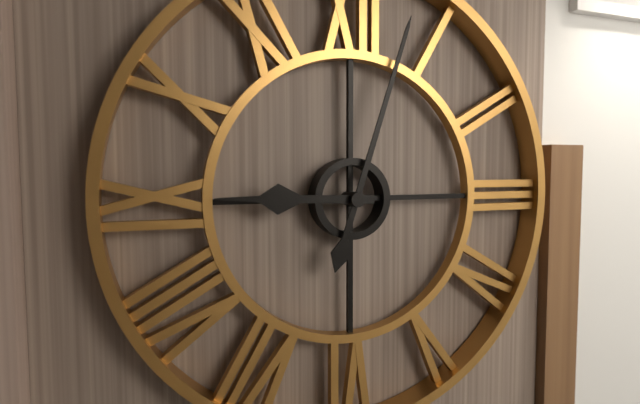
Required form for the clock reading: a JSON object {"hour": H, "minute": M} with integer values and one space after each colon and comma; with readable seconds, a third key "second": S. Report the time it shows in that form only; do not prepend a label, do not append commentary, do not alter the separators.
{"hour": 9, "minute": 3}
